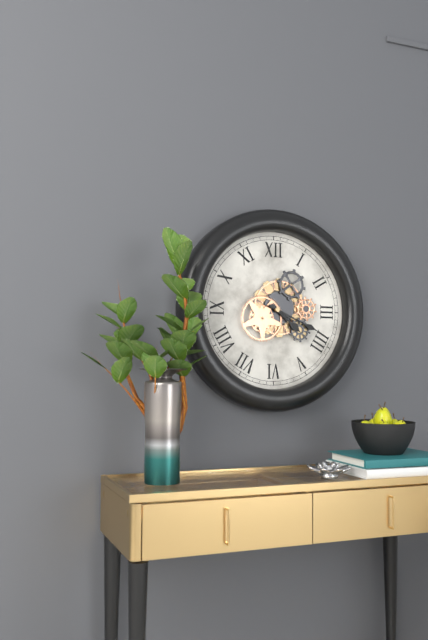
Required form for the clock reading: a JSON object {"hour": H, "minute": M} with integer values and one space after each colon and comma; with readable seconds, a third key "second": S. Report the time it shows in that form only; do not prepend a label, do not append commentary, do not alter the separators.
{"hour": 4, "minute": 19}
